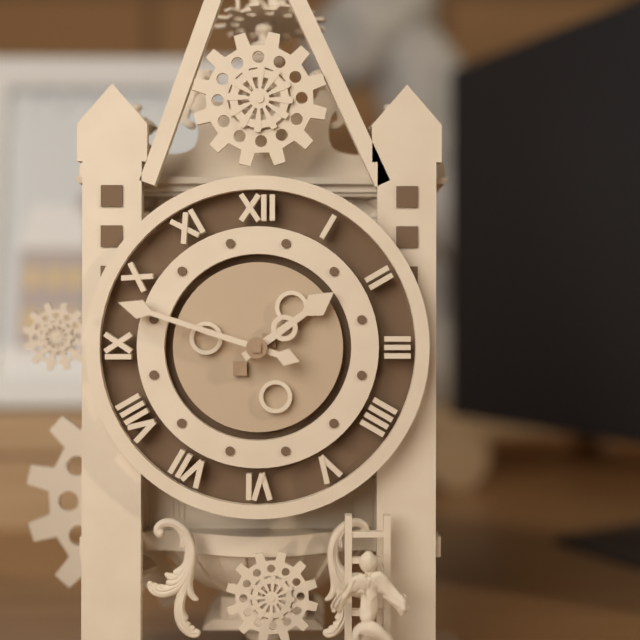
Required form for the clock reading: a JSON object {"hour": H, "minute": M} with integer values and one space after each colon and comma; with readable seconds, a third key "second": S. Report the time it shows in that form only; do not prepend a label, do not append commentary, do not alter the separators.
{"hour": 1, "minute": 48}
